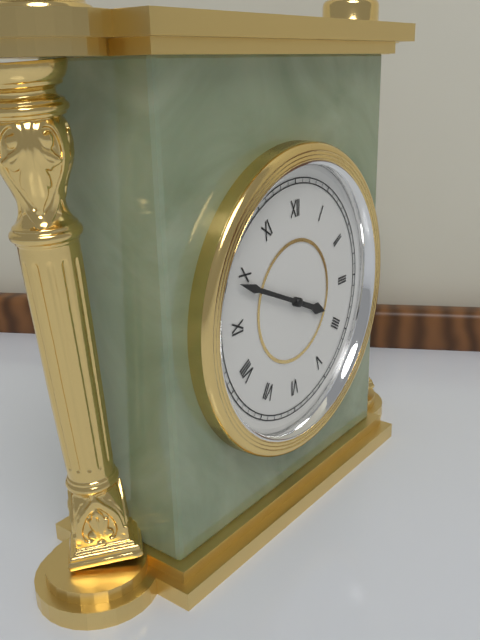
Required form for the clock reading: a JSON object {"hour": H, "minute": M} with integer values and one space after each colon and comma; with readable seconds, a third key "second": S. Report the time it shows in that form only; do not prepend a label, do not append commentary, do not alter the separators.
{"hour": 3, "minute": 49}
